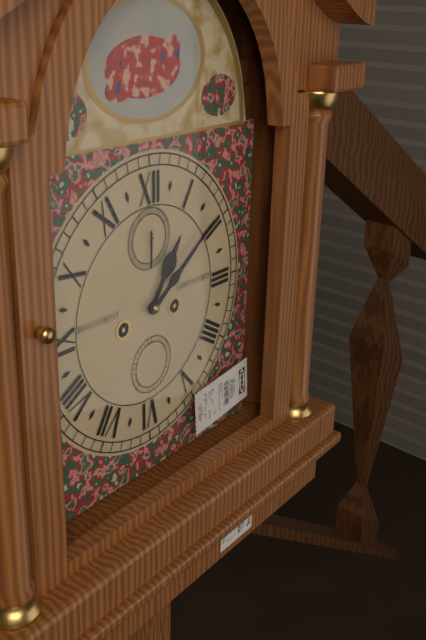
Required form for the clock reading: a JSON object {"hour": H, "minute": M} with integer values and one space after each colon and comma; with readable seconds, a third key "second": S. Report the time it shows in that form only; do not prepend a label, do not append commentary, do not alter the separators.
{"hour": 1, "minute": 9}
